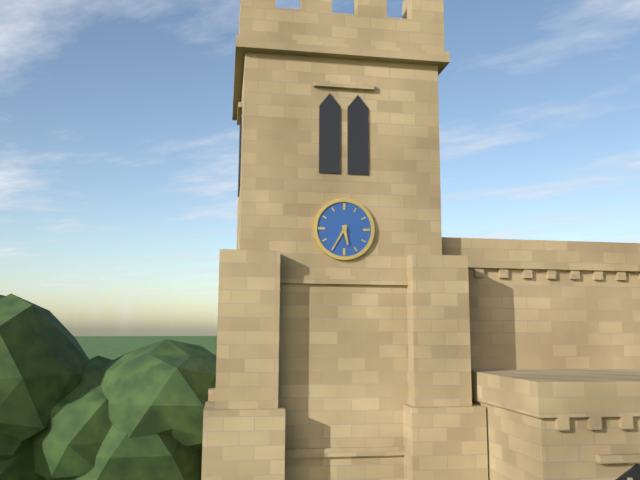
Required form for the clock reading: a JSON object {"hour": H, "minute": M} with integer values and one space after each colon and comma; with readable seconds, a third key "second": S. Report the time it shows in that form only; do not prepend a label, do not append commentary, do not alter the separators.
{"hour": 5, "minute": 35}
